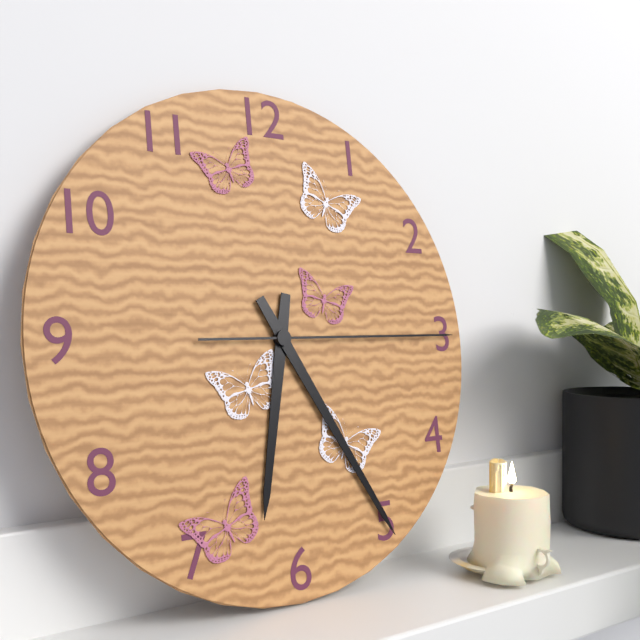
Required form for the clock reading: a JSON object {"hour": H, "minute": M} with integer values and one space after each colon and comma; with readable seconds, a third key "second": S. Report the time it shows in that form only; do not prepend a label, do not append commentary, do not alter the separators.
{"hour": 6, "minute": 25, "second": 15}
